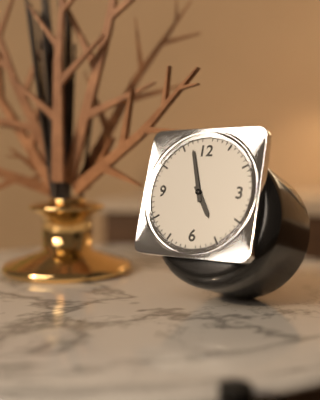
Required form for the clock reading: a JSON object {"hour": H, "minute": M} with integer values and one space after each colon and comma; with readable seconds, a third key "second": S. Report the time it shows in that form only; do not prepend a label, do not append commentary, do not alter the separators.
{"hour": 4, "minute": 57}
